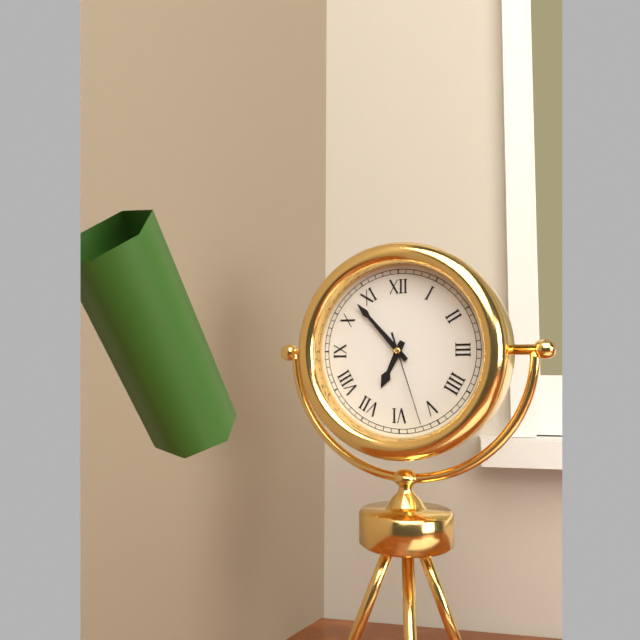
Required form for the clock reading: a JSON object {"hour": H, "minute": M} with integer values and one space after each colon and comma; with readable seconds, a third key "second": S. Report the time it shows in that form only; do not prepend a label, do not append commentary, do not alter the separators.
{"hour": 6, "minute": 53, "second": 27}
